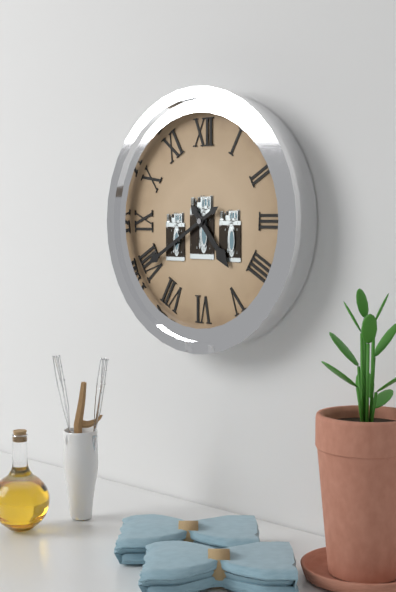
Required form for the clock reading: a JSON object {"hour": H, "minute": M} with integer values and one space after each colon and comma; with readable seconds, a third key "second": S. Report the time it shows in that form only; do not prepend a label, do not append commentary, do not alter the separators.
{"hour": 4, "minute": 40}
